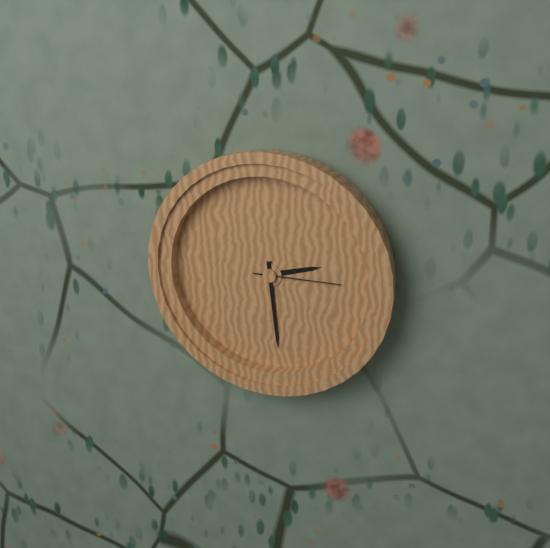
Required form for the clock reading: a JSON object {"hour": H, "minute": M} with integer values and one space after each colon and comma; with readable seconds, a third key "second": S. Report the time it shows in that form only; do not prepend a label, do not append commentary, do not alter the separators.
{"hour": 2, "minute": 29, "second": 15}
